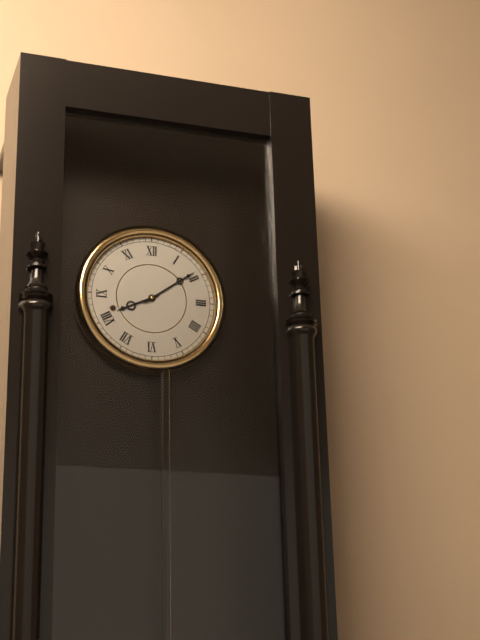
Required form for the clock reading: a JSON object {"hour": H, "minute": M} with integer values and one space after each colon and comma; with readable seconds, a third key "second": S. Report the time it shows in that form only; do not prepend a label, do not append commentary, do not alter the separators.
{"hour": 8, "minute": 9}
